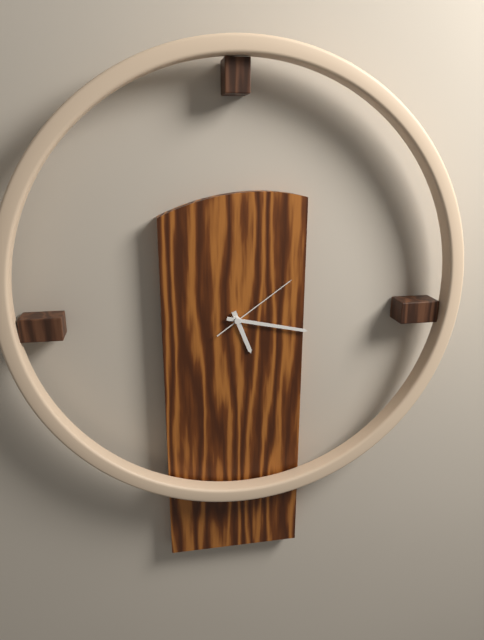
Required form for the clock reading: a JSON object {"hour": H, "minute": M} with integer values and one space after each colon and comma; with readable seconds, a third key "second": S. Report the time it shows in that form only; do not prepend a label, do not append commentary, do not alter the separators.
{"hour": 5, "minute": 17, "second": 9}
